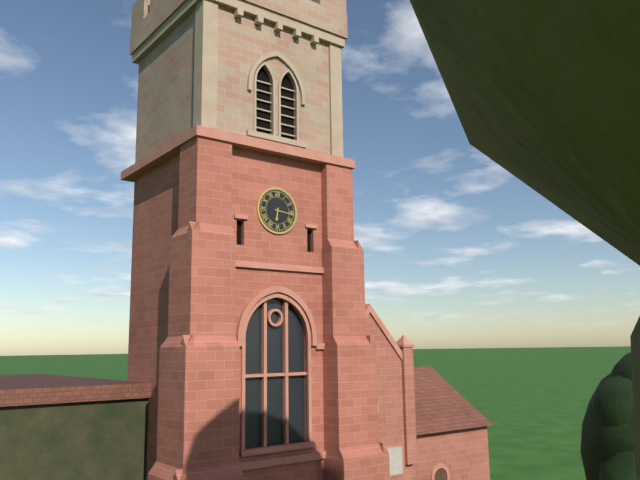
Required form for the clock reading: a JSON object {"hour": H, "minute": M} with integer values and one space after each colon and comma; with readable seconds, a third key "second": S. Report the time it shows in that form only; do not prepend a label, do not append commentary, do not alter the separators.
{"hour": 6, "minute": 16}
